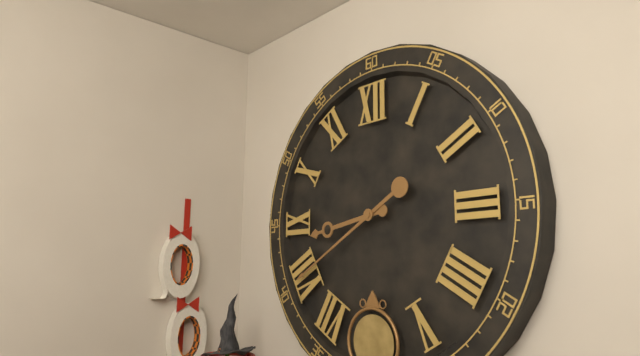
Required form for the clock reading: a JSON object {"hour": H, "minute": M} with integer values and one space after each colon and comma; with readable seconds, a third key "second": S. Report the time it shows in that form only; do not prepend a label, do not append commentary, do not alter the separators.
{"hour": 8, "minute": 40}
